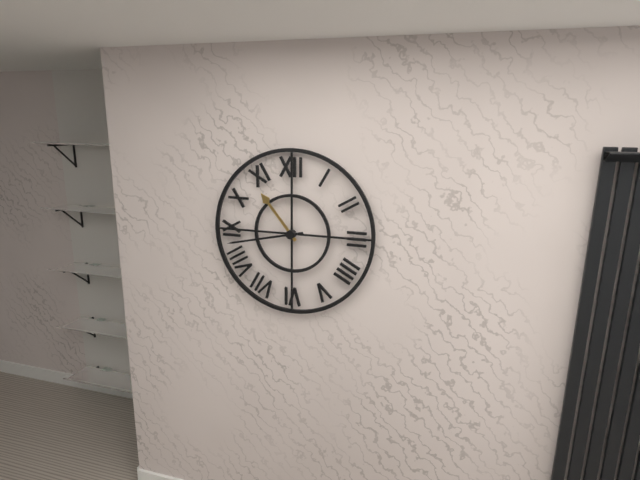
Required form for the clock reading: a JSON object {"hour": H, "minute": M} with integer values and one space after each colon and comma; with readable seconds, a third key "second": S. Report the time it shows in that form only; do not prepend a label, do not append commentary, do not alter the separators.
{"hour": 10, "minute": 43}
